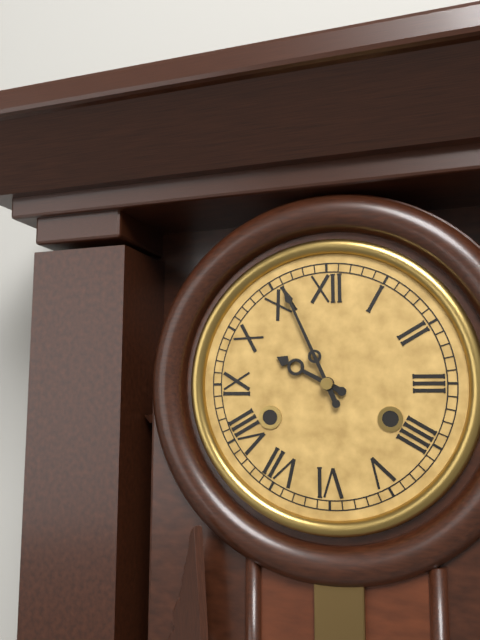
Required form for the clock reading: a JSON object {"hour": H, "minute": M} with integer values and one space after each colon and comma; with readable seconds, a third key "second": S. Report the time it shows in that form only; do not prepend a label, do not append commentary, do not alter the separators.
{"hour": 9, "minute": 56}
